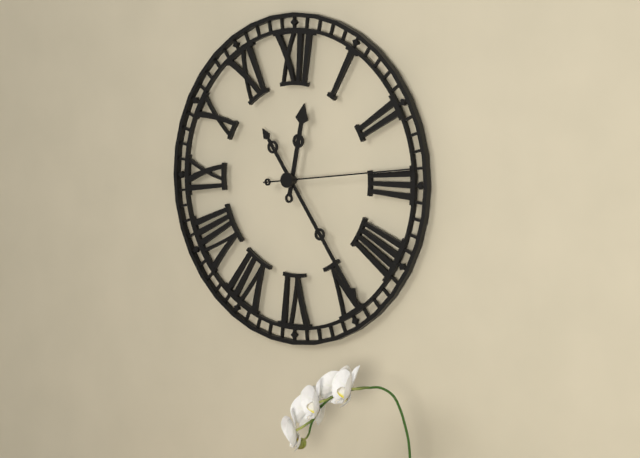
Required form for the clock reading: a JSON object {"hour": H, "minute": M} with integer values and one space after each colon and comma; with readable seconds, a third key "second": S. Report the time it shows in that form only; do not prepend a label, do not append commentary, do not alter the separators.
{"hour": 12, "minute": 24, "second": 14}
